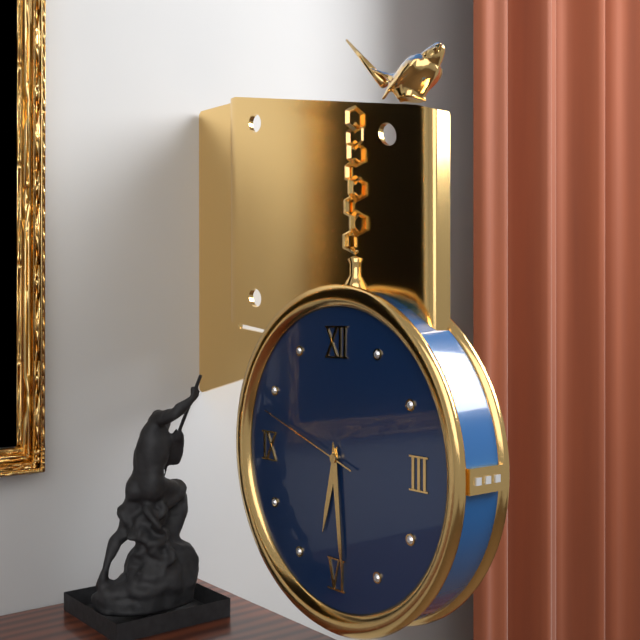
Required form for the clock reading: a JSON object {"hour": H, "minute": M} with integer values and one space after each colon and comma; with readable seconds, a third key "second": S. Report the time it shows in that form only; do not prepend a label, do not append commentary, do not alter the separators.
{"hour": 6, "minute": 29, "second": 48}
